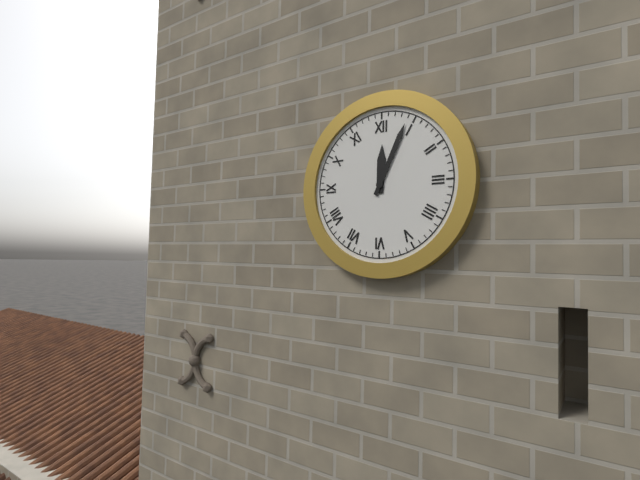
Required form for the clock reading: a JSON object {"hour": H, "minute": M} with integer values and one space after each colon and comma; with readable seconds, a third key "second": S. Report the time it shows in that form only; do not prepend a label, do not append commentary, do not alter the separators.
{"hour": 12, "minute": 4}
